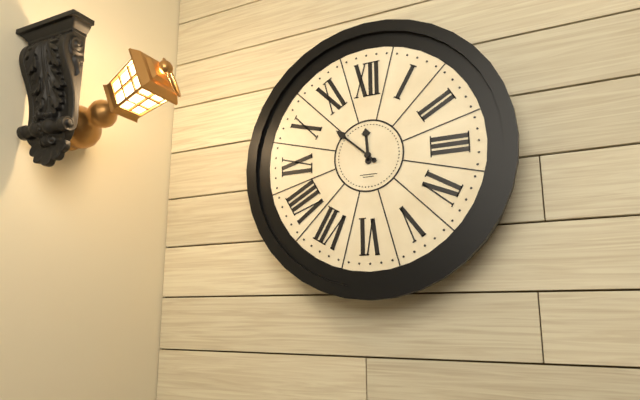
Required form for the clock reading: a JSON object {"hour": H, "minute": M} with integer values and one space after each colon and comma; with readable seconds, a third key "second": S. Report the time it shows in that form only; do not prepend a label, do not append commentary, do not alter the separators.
{"hour": 11, "minute": 52}
